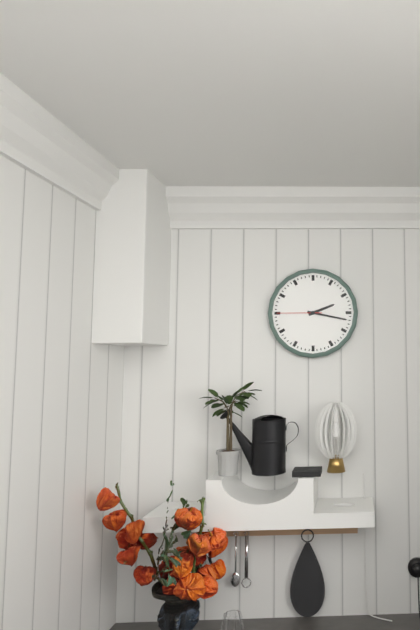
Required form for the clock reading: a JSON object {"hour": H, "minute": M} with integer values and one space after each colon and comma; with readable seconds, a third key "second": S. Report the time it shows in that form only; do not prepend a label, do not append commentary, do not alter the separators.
{"hour": 2, "minute": 17}
